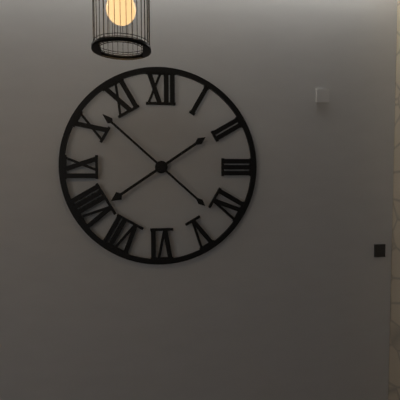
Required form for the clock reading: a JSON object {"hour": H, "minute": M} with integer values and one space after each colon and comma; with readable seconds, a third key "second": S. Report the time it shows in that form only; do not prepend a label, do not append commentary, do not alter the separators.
{"hour": 7, "minute": 52}
